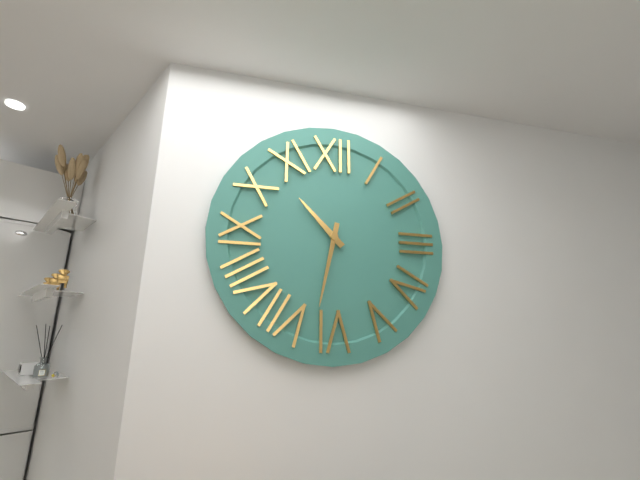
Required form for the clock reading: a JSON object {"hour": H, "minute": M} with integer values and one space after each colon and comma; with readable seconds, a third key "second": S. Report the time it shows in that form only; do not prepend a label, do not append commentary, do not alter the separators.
{"hour": 10, "minute": 32}
